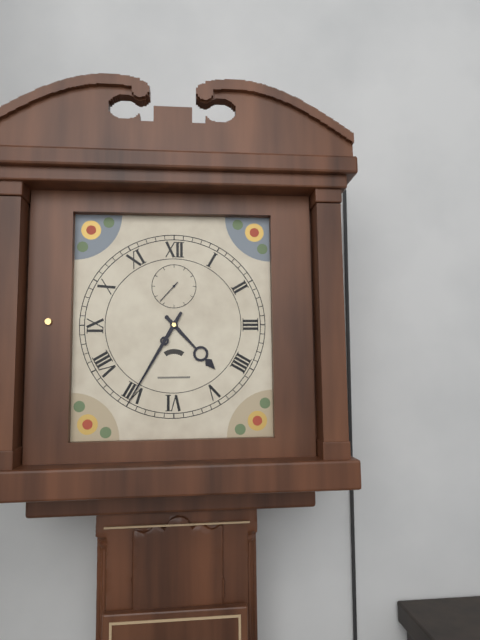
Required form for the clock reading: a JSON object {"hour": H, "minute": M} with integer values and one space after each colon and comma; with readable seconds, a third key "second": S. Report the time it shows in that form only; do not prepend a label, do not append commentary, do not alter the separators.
{"hour": 4, "minute": 35}
